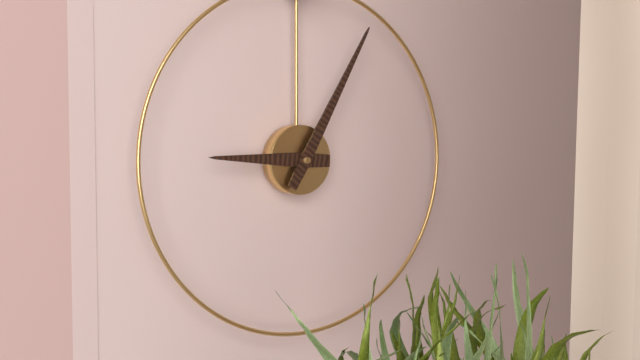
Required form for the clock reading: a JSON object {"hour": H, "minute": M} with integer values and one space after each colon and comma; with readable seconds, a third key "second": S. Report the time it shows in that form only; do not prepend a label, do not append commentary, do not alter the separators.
{"hour": 9, "minute": 5}
